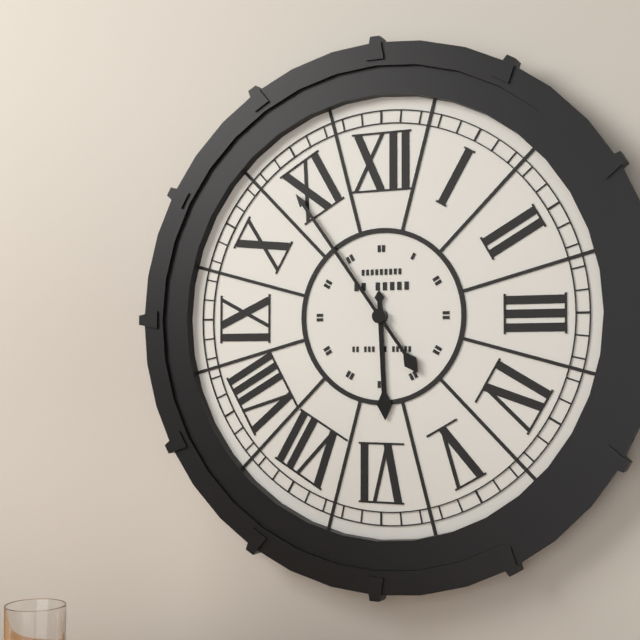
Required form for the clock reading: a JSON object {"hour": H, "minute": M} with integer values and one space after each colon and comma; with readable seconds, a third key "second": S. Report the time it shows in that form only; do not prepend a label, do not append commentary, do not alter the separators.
{"hour": 5, "minute": 54}
